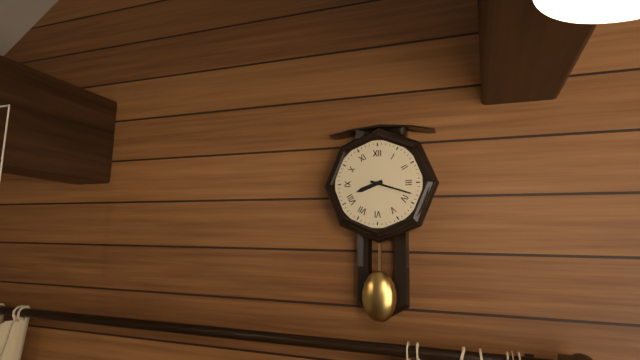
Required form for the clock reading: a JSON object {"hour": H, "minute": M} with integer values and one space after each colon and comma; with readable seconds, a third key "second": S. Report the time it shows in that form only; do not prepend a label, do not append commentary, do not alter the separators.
{"hour": 8, "minute": 18}
